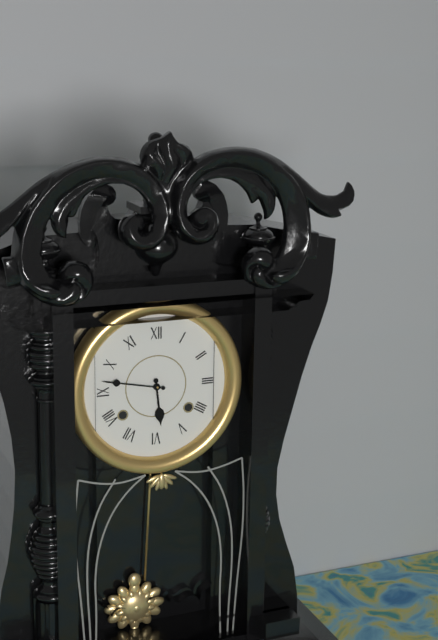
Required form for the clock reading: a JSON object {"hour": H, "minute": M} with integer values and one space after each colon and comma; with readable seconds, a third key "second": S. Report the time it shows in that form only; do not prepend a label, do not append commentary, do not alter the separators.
{"hour": 5, "minute": 47}
